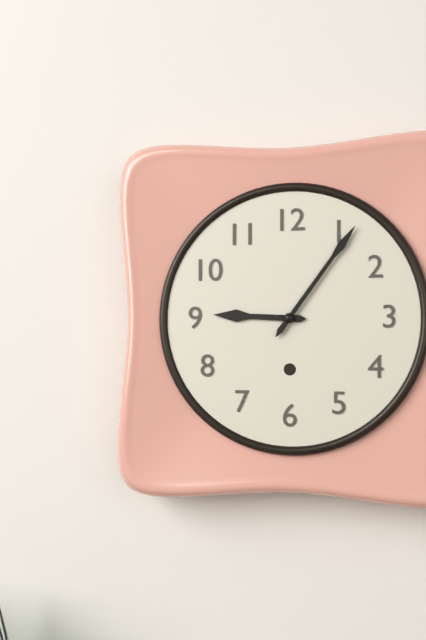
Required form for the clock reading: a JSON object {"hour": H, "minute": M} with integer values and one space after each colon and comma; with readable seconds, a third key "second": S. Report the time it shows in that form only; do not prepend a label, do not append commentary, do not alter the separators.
{"hour": 9, "minute": 6}
